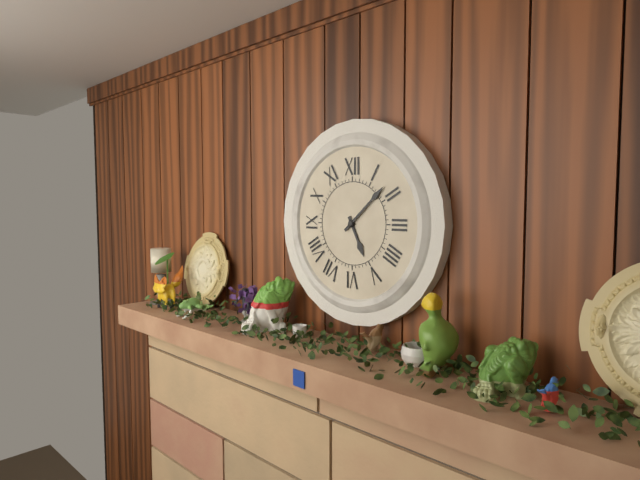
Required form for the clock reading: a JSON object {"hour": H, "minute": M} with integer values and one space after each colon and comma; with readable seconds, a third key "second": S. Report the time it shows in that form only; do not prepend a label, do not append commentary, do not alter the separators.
{"hour": 5, "minute": 8}
